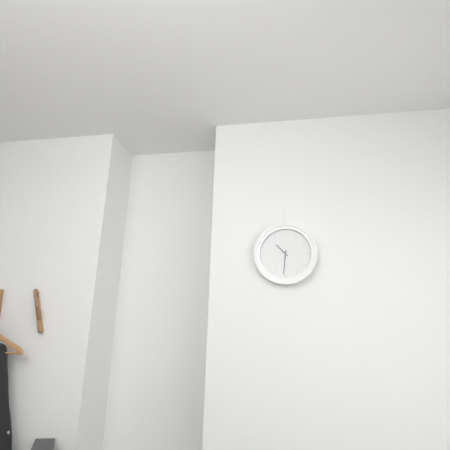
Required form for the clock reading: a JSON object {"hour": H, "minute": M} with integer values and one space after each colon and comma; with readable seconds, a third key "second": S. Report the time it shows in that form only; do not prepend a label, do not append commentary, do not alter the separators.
{"hour": 10, "minute": 31}
